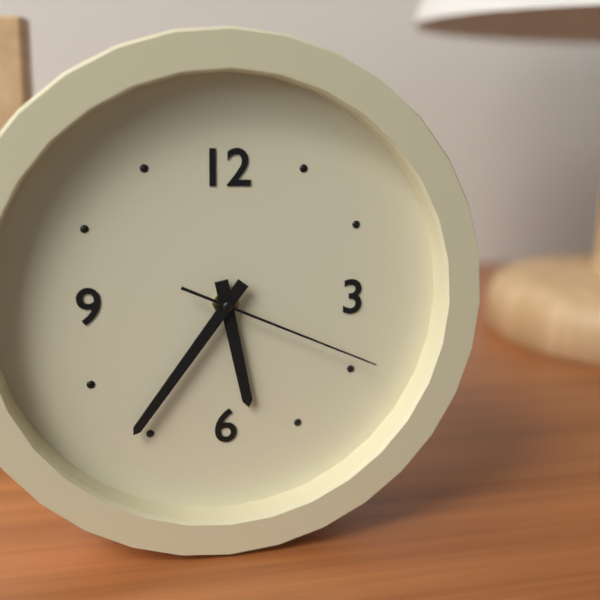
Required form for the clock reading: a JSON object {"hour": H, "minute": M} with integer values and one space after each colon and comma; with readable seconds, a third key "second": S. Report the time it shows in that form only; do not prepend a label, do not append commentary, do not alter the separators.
{"hour": 5, "minute": 36, "second": 19}
